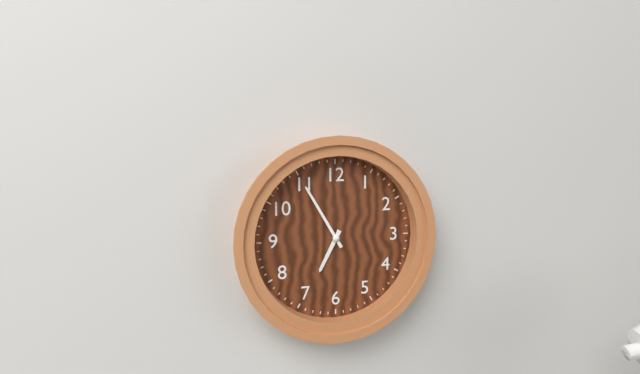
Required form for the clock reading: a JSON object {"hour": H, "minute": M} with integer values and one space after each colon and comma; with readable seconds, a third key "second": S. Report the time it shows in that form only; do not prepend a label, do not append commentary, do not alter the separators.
{"hour": 6, "minute": 55}
